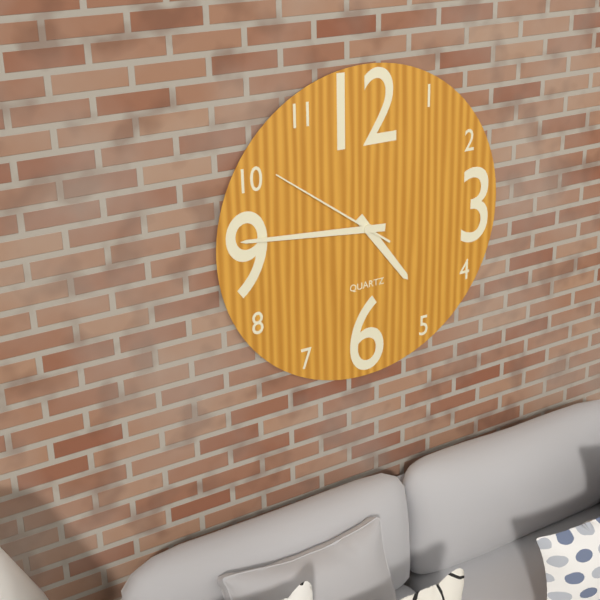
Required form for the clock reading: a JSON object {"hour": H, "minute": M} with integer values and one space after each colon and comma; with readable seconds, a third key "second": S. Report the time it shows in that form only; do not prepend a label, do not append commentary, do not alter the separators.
{"hour": 4, "minute": 46, "second": 51}
